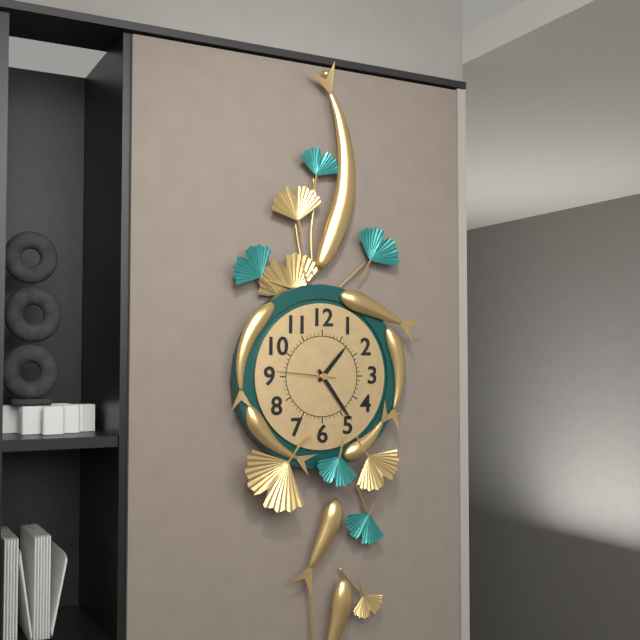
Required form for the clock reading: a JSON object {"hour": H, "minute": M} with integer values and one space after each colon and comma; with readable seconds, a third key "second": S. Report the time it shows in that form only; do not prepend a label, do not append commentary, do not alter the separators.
{"hour": 1, "minute": 24, "second": 46}
